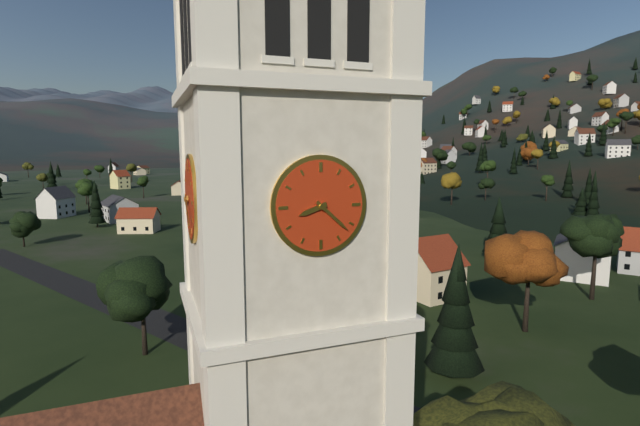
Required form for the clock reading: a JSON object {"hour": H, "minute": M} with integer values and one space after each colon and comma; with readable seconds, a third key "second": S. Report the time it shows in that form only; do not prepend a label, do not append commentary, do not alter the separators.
{"hour": 8, "minute": 22}
